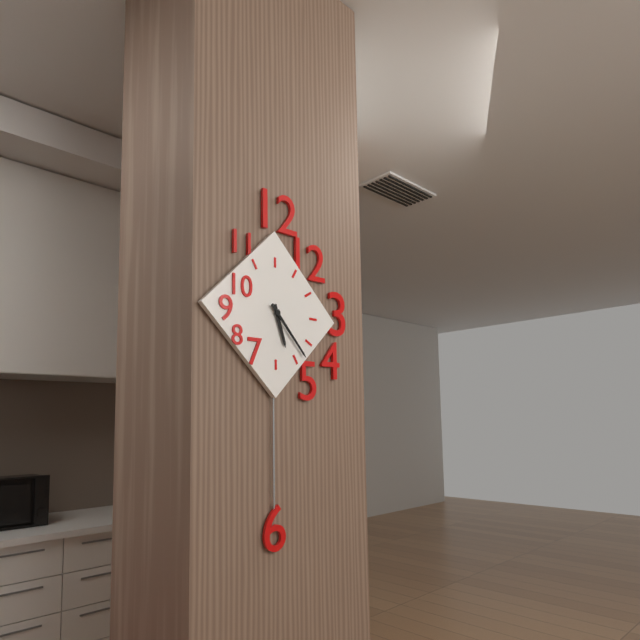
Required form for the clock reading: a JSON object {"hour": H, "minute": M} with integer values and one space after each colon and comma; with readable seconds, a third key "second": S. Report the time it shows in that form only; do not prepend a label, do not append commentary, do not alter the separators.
{"hour": 5, "minute": 23}
